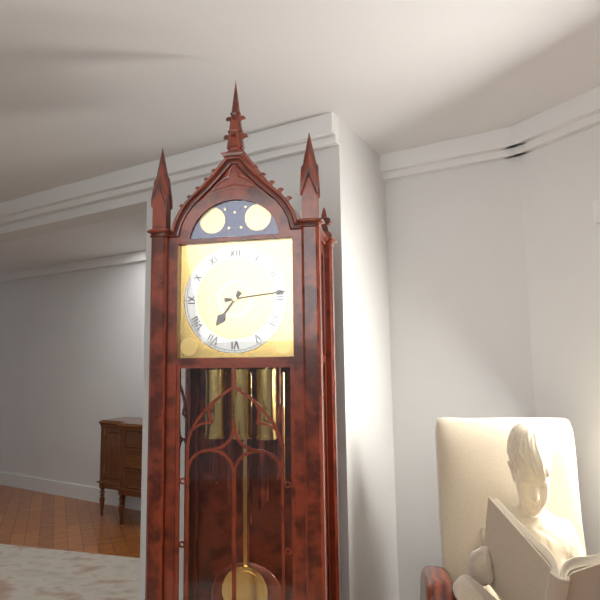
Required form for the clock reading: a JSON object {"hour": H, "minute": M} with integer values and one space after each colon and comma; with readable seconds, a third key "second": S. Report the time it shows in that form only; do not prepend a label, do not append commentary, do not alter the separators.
{"hour": 7, "minute": 14}
